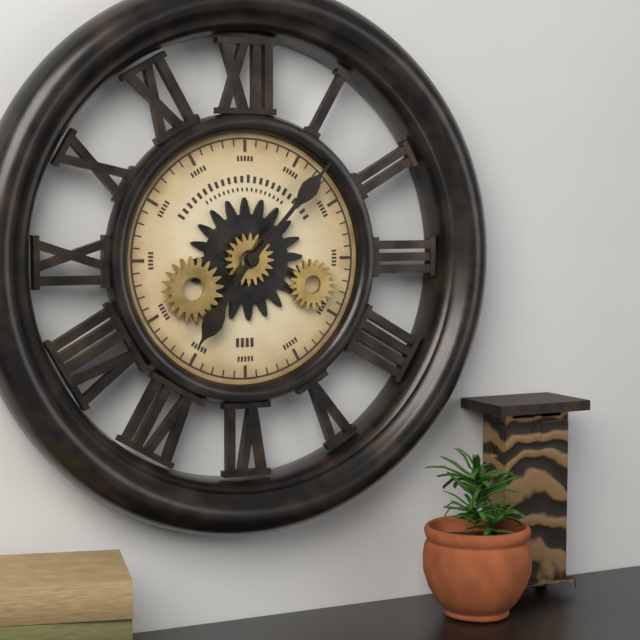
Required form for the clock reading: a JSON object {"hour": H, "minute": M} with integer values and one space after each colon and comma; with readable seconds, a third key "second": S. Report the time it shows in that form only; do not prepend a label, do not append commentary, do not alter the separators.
{"hour": 7, "minute": 7}
